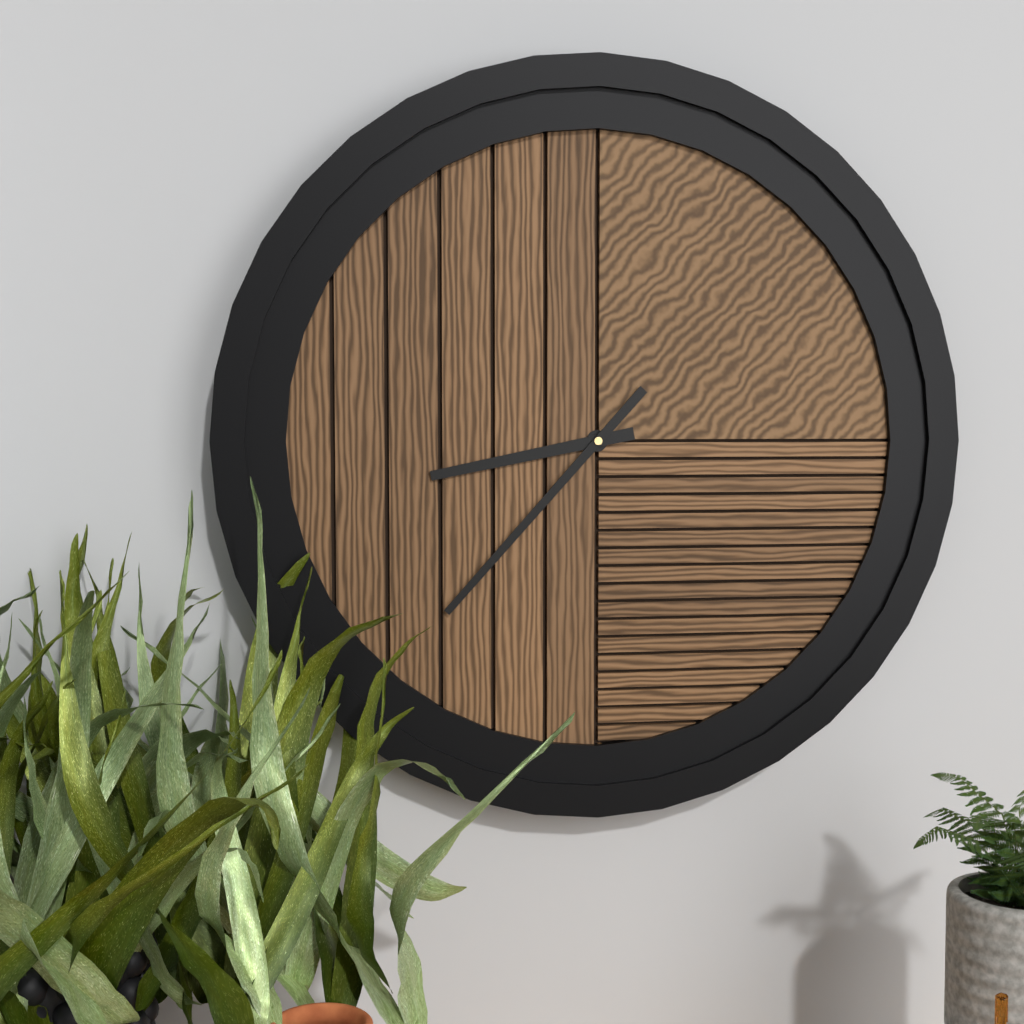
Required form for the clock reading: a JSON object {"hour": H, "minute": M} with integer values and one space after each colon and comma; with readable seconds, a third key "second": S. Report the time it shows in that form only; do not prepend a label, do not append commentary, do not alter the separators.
{"hour": 8, "minute": 37}
